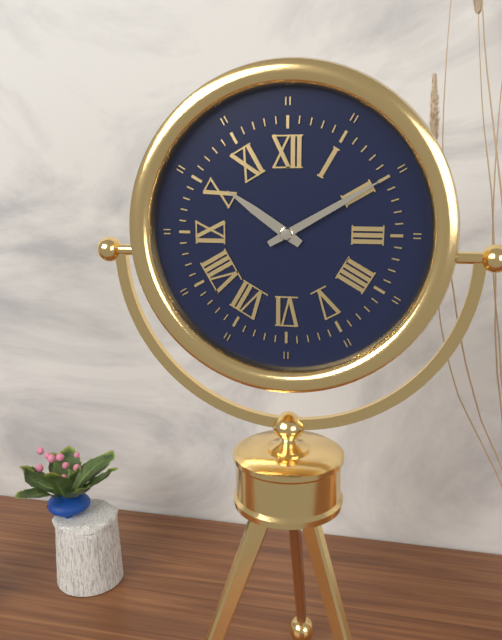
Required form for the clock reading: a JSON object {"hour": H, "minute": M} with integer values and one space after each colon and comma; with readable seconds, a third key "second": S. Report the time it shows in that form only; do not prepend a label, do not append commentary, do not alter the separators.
{"hour": 10, "minute": 10}
